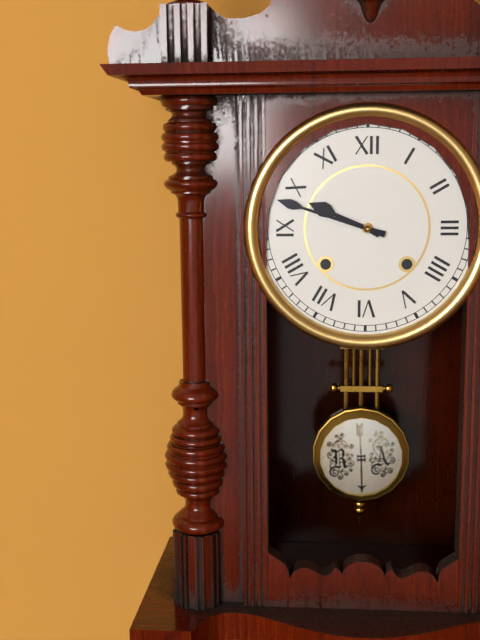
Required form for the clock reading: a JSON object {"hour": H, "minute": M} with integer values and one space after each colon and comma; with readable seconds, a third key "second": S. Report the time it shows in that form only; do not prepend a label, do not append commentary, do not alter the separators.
{"hour": 9, "minute": 48}
